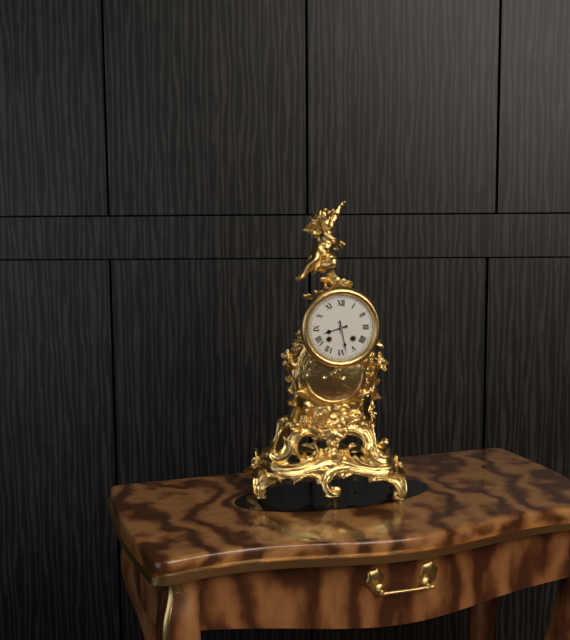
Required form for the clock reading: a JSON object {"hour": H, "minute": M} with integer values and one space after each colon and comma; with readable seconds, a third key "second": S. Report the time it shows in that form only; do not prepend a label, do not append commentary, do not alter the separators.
{"hour": 8, "minute": 28}
